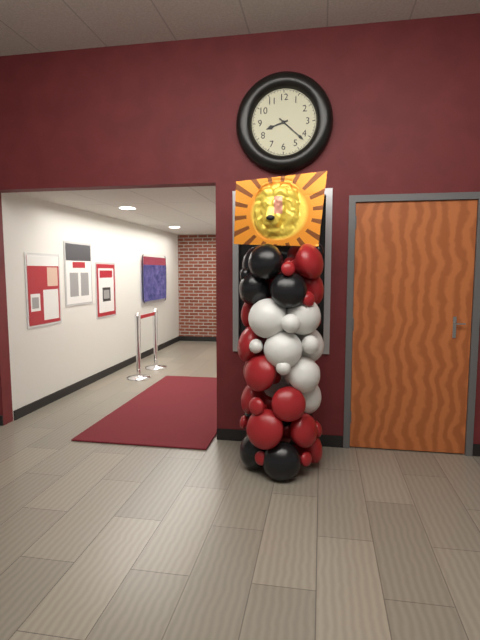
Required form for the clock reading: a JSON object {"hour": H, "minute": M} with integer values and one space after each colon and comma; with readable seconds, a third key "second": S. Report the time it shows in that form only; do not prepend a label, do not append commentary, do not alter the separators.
{"hour": 8, "minute": 22}
